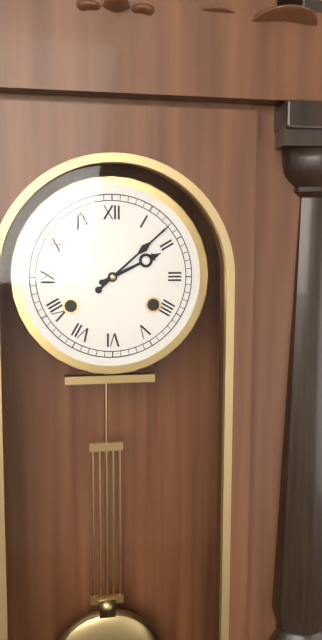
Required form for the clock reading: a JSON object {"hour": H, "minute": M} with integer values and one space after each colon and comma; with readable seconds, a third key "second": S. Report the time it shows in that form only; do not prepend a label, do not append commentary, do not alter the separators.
{"hour": 2, "minute": 8}
